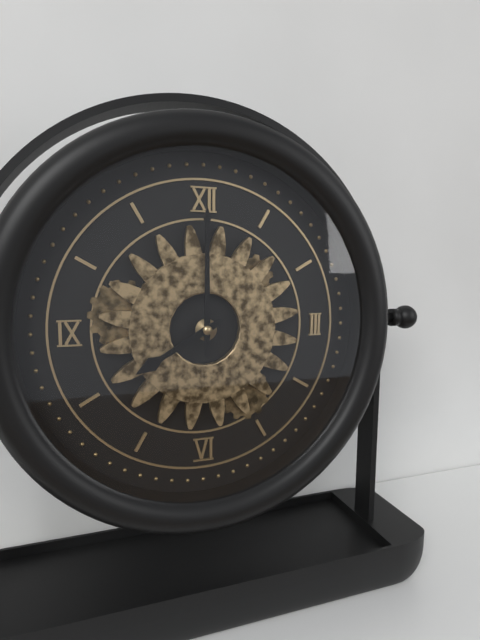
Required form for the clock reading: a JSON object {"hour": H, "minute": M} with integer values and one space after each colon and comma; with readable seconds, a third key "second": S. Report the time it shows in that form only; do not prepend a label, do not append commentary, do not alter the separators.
{"hour": 8, "minute": 0}
